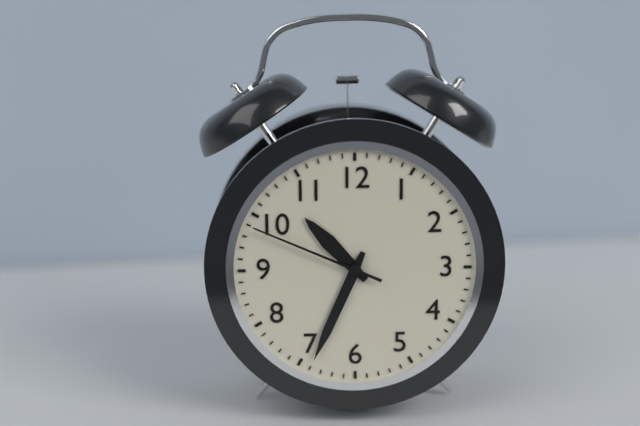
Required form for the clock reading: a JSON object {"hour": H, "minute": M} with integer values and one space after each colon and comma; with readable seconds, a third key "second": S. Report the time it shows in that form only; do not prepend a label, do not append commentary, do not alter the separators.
{"hour": 10, "minute": 34, "second": 49}
